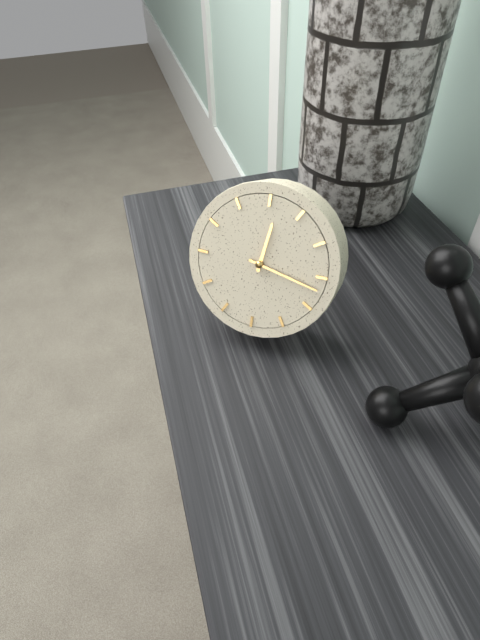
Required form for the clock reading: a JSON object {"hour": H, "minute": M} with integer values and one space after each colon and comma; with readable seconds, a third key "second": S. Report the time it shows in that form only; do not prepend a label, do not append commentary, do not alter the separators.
{"hour": 12, "minute": 17}
